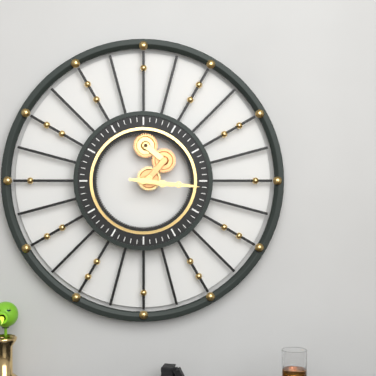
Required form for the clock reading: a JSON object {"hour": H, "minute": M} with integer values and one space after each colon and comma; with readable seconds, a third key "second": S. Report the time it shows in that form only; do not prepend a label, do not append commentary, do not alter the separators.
{"hour": 3, "minute": 16}
